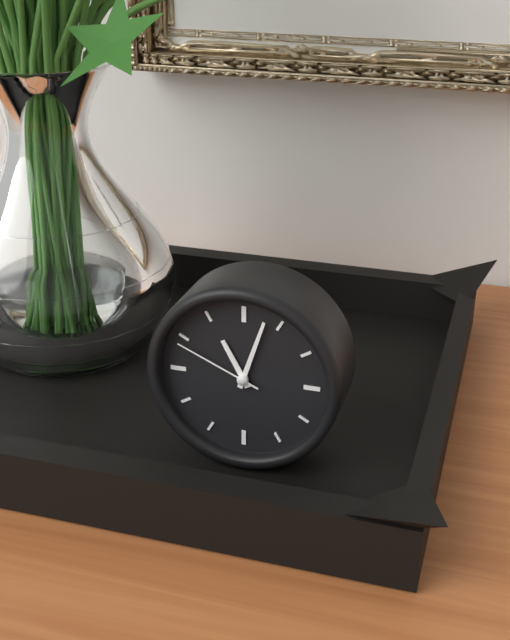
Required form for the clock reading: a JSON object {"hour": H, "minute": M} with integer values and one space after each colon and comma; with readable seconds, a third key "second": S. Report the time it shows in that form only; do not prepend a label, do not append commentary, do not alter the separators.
{"hour": 11, "minute": 3, "second": 49}
